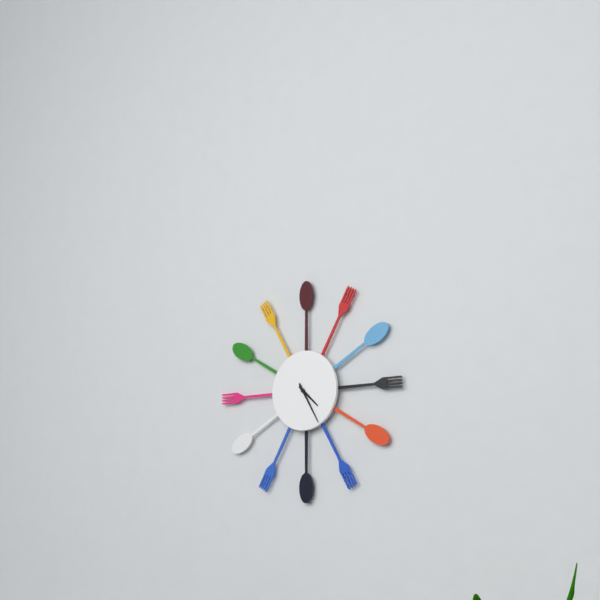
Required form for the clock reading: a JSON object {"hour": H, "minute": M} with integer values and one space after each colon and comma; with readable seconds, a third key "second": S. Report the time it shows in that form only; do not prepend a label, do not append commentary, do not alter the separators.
{"hour": 4, "minute": 25}
